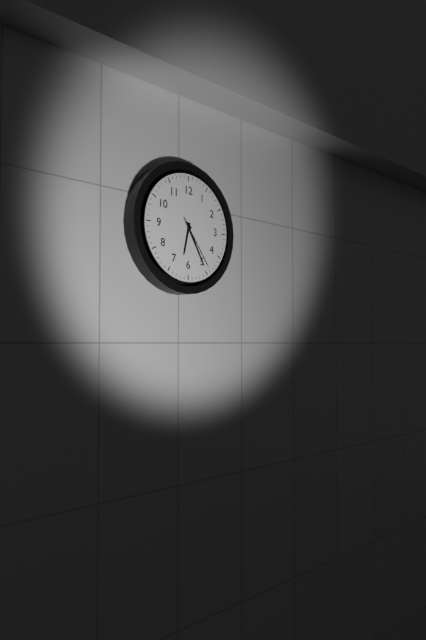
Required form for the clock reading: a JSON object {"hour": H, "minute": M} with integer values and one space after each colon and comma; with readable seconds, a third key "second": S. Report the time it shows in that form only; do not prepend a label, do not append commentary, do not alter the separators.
{"hour": 6, "minute": 25, "second": 24}
